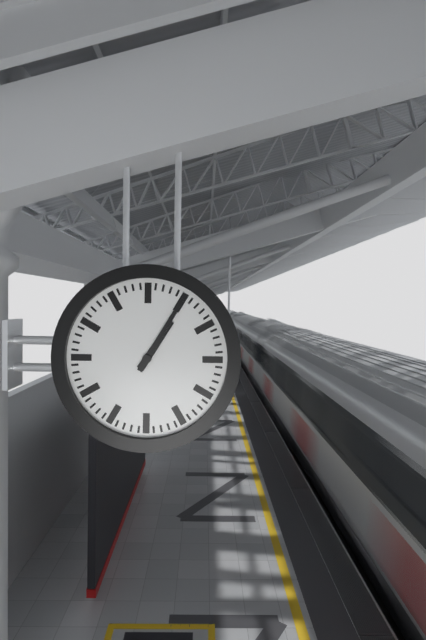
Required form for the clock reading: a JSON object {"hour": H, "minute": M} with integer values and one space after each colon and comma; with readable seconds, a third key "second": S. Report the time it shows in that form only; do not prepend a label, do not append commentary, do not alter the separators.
{"hour": 1, "minute": 5}
